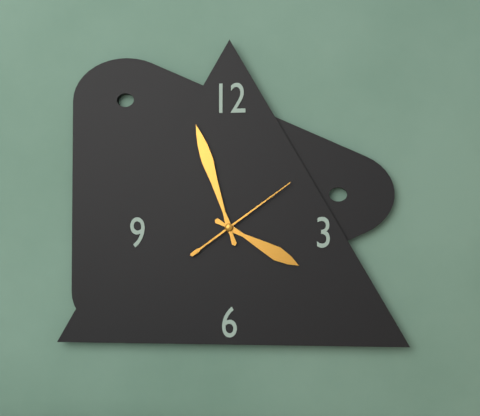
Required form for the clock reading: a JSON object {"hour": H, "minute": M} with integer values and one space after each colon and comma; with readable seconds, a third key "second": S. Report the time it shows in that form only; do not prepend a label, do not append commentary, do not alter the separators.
{"hour": 3, "minute": 57, "second": 9}
